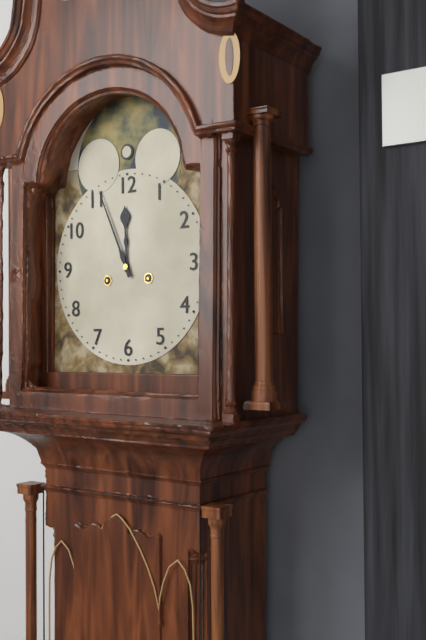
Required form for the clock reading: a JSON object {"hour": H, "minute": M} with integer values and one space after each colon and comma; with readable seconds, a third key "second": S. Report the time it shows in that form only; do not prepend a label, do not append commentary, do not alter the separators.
{"hour": 11, "minute": 56}
